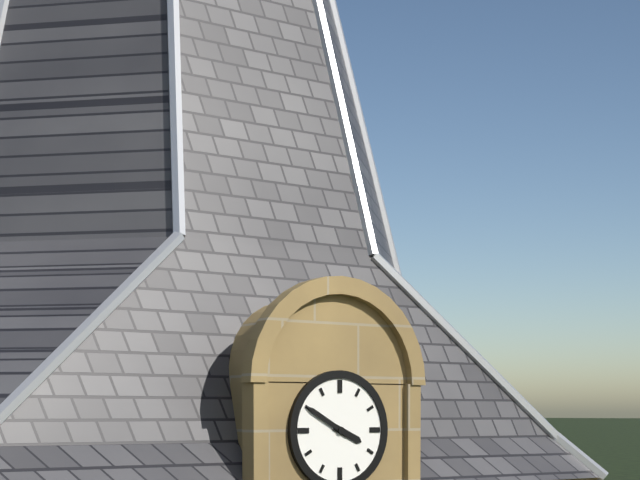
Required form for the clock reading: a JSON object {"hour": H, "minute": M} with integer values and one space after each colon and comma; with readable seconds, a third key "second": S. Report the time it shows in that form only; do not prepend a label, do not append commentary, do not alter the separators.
{"hour": 3, "minute": 50}
